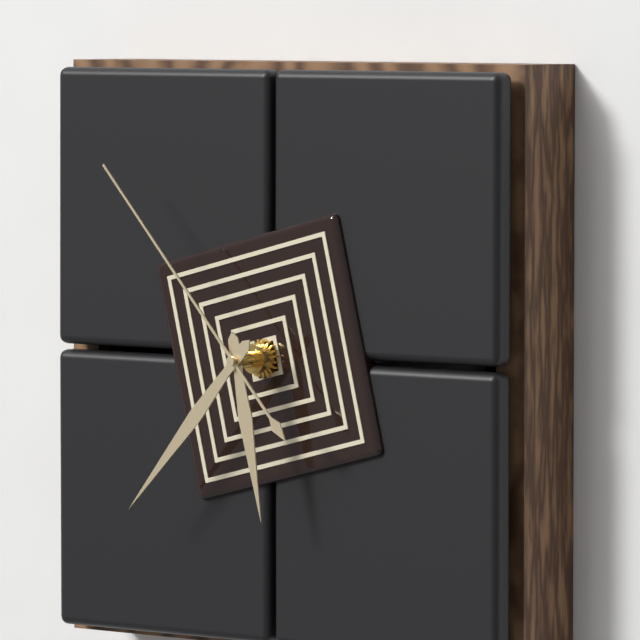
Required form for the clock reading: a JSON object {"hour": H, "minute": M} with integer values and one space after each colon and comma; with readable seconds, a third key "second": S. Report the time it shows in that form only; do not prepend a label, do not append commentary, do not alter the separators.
{"hour": 5, "minute": 37, "second": 53}
